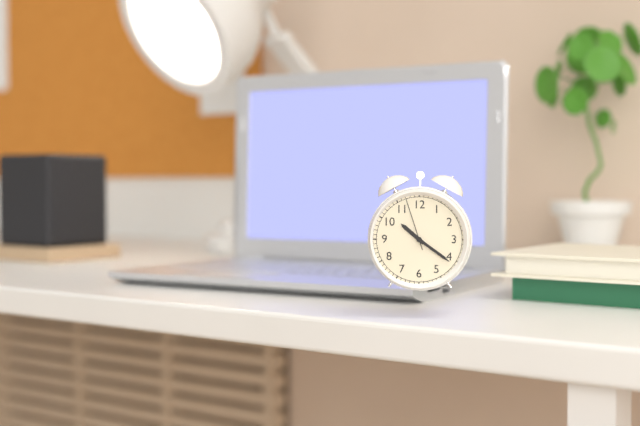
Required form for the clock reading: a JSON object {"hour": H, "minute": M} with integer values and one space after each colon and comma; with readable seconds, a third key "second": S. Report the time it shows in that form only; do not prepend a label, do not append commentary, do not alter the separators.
{"hour": 10, "minute": 21, "second": 57}
